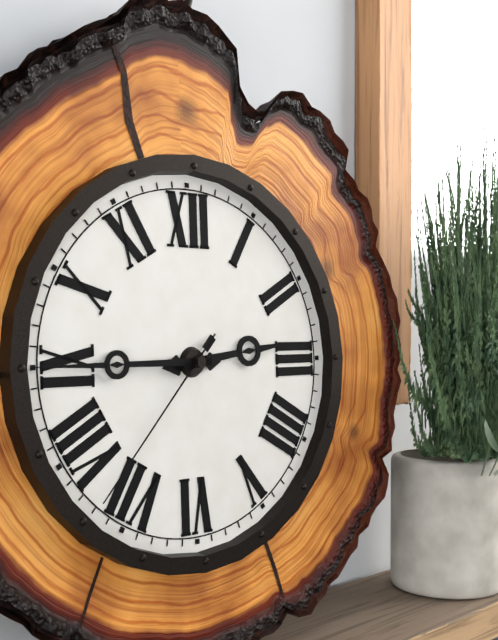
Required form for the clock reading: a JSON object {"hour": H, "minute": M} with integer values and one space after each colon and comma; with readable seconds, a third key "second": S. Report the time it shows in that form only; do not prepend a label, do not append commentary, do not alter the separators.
{"hour": 2, "minute": 45, "second": 37}
